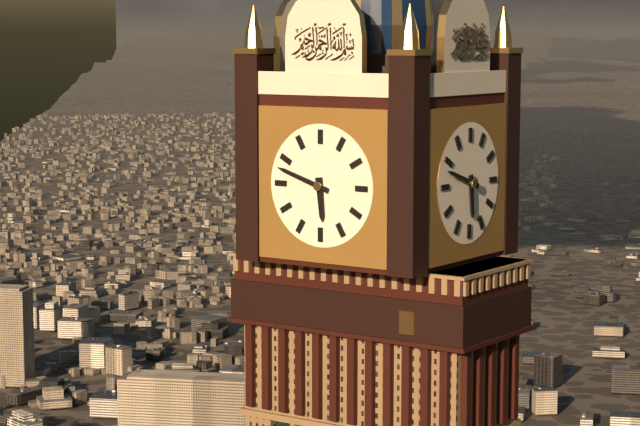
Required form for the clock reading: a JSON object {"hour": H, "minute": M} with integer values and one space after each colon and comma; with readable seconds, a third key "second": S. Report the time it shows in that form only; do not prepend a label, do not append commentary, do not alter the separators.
{"hour": 5, "minute": 48}
